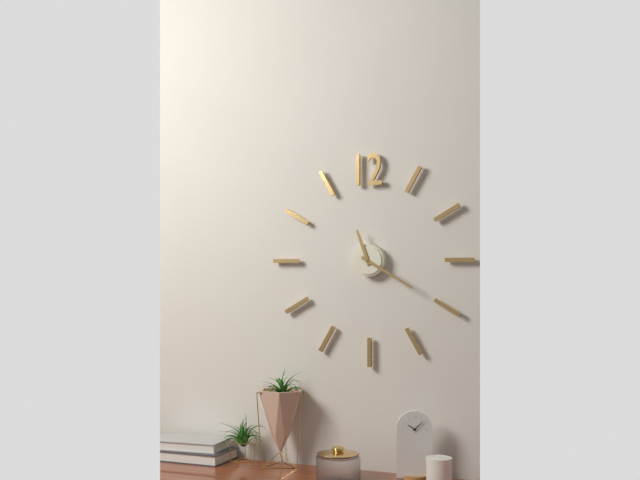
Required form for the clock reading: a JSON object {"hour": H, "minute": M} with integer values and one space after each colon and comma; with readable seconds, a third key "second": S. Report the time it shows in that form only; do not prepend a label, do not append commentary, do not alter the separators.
{"hour": 11, "minute": 20}
